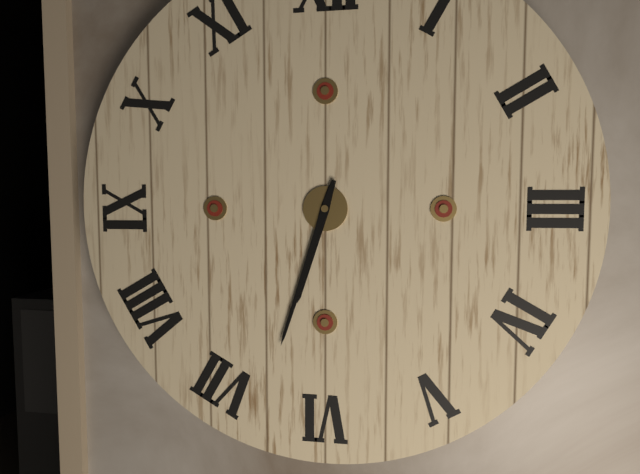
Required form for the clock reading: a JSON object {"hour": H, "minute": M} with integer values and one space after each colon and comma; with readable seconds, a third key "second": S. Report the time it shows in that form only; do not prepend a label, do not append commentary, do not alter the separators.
{"hour": 6, "minute": 33}
